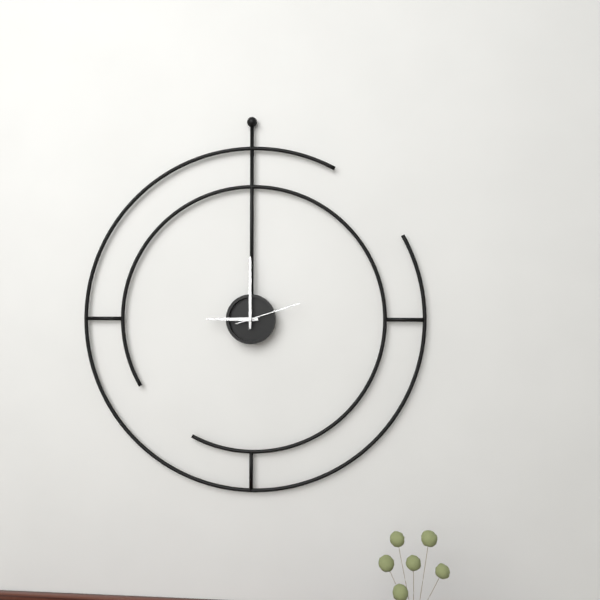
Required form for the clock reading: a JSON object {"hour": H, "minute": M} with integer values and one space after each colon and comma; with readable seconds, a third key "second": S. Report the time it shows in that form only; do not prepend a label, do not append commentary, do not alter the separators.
{"hour": 9, "minute": 0, "second": 12}
